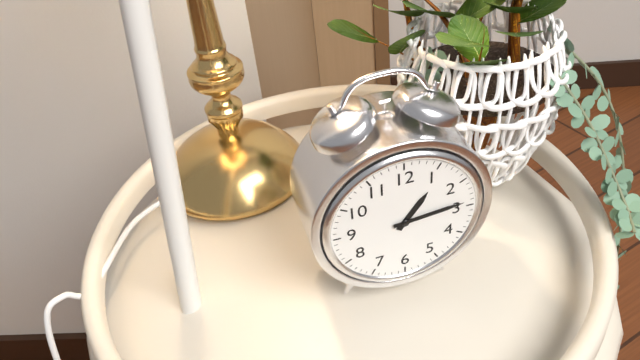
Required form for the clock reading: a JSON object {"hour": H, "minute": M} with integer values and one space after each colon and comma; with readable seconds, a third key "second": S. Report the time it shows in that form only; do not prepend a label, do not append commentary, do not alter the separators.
{"hour": 1, "minute": 14}
